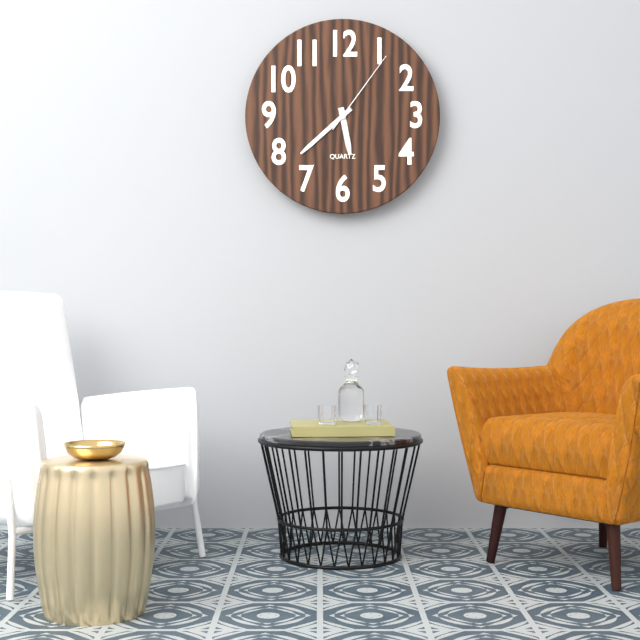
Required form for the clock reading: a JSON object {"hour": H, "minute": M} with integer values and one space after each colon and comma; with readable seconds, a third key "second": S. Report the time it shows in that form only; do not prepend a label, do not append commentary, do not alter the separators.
{"hour": 5, "minute": 38, "second": 6}
